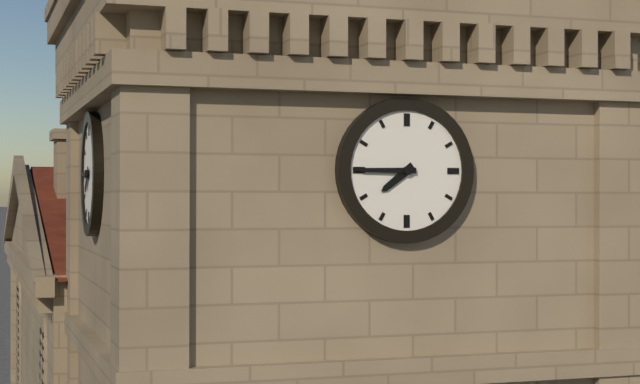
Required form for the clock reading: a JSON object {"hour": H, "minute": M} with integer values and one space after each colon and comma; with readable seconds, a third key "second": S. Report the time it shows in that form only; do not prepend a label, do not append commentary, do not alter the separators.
{"hour": 7, "minute": 45}
